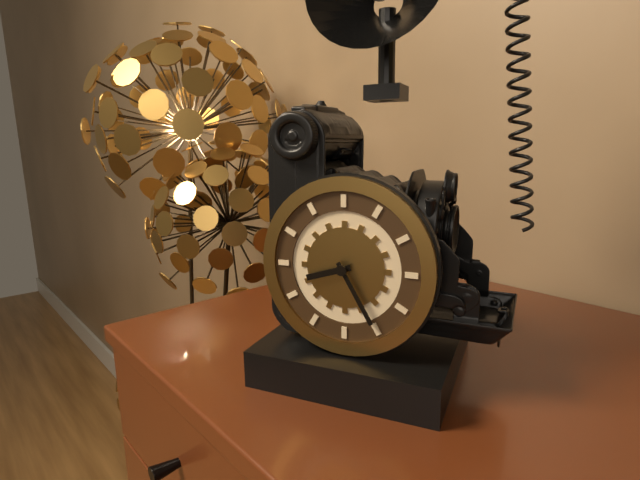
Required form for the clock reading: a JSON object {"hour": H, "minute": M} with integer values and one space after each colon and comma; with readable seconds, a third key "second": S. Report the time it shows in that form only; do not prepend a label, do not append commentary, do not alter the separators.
{"hour": 8, "minute": 25}
